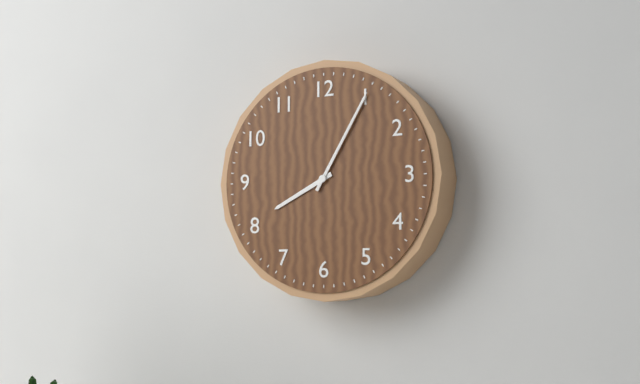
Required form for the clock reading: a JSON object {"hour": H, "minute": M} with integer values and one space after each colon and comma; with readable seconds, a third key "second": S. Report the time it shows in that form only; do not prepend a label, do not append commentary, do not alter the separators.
{"hour": 8, "minute": 5}
